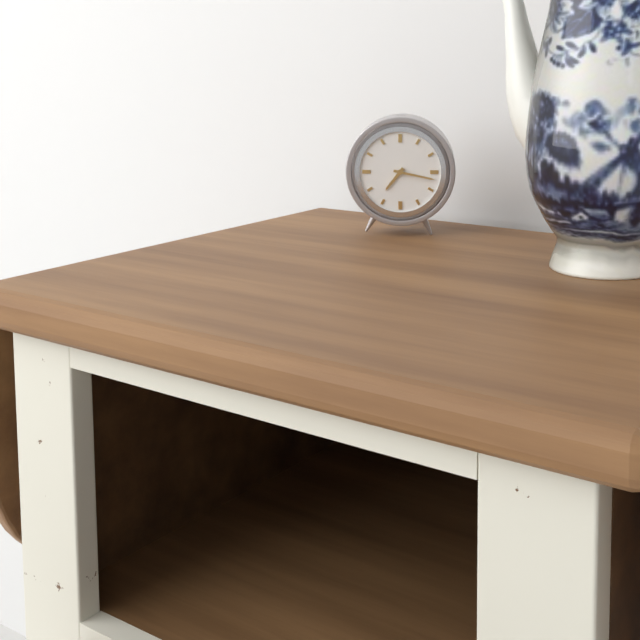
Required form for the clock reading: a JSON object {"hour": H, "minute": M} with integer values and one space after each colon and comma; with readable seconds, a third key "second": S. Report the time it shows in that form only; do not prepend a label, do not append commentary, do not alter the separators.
{"hour": 7, "minute": 17}
